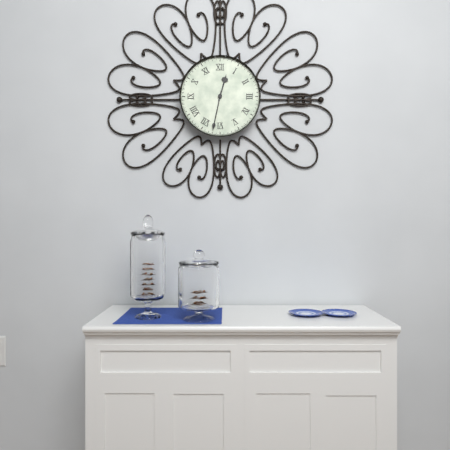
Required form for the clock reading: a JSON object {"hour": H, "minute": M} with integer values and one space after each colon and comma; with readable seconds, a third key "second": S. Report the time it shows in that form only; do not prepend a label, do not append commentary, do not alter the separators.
{"hour": 12, "minute": 32}
